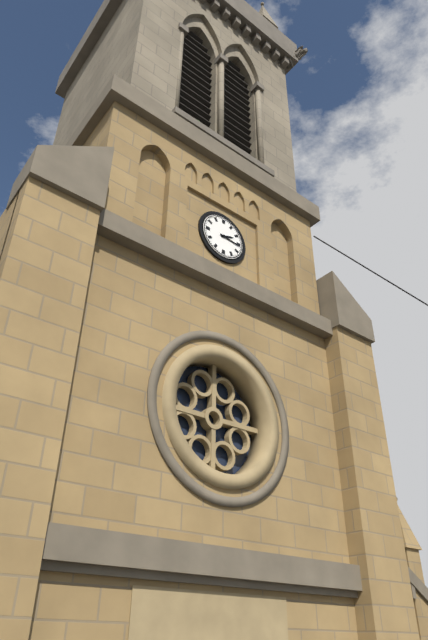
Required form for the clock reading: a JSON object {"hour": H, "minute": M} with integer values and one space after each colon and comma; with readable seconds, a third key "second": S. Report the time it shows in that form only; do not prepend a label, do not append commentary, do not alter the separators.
{"hour": 2, "minute": 16}
